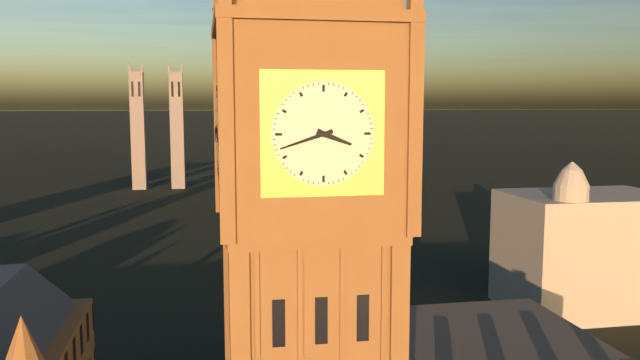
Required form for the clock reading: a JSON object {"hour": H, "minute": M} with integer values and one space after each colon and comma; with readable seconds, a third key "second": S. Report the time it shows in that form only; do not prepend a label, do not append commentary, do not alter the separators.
{"hour": 3, "minute": 42}
